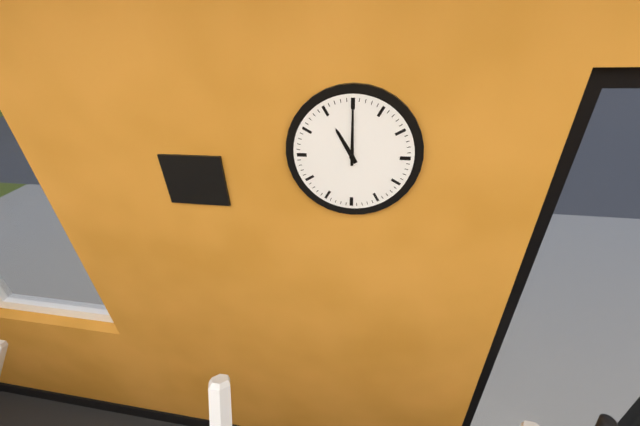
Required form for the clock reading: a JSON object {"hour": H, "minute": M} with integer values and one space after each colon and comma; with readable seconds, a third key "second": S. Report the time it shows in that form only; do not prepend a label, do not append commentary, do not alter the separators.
{"hour": 11, "minute": 0}
